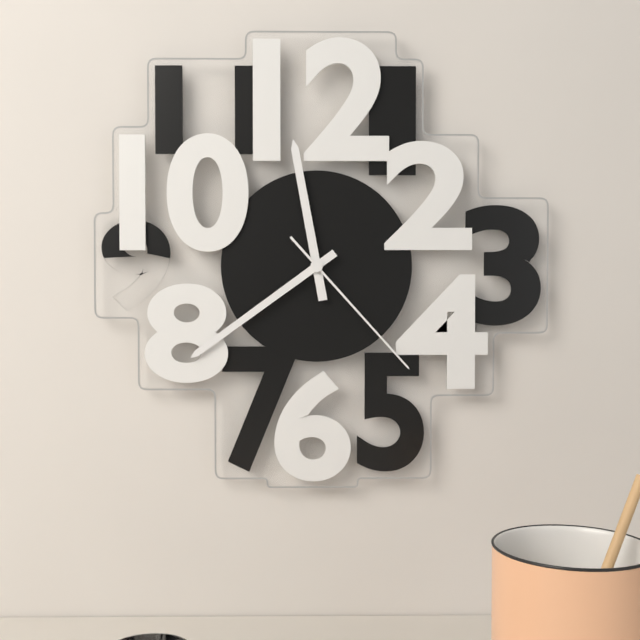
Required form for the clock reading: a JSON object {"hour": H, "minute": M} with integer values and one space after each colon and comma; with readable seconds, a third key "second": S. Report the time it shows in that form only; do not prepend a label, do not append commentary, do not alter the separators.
{"hour": 11, "minute": 39, "second": 23}
